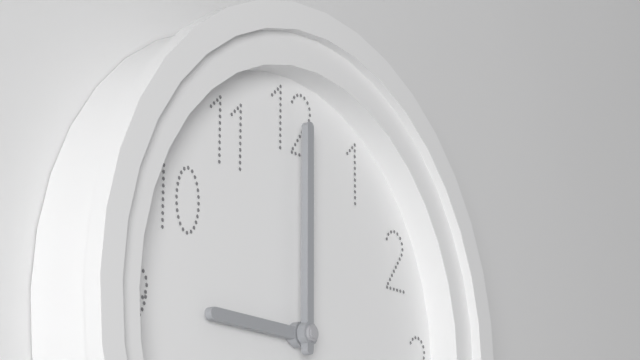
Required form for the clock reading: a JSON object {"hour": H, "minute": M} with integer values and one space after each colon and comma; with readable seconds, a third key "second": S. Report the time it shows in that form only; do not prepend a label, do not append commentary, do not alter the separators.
{"hour": 9, "minute": 0}
